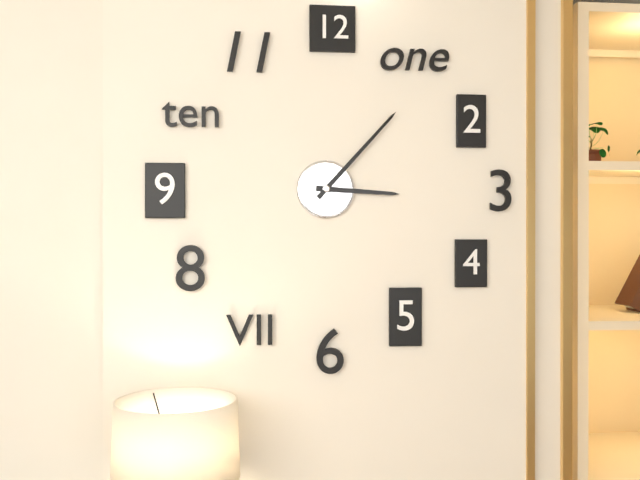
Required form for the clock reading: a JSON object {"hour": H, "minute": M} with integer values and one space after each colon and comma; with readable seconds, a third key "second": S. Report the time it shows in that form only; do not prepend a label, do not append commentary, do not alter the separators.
{"hour": 3, "minute": 7}
